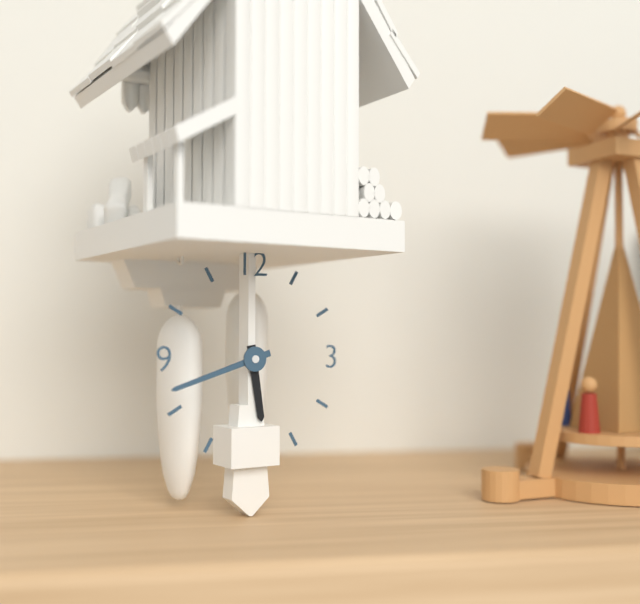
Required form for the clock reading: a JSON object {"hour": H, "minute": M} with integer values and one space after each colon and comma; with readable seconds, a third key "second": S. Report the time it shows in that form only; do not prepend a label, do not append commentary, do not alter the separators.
{"hour": 5, "minute": 42}
